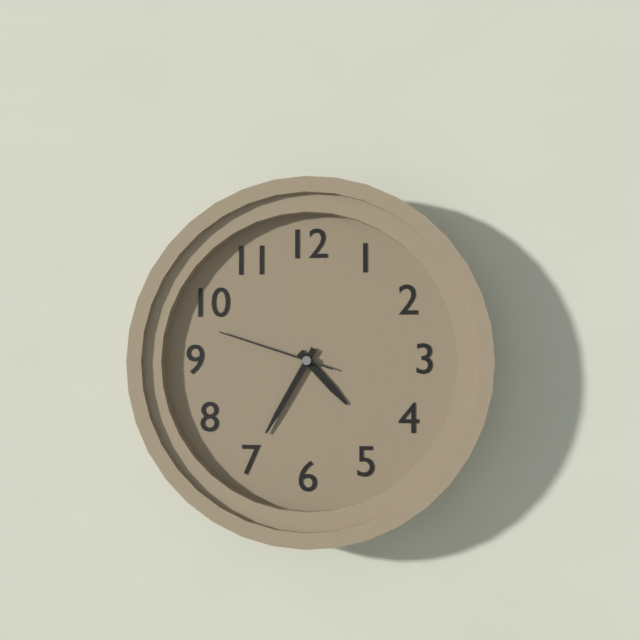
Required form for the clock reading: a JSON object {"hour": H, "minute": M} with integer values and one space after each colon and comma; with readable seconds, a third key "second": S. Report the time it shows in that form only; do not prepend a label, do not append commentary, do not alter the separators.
{"hour": 4, "minute": 35, "second": 48}
